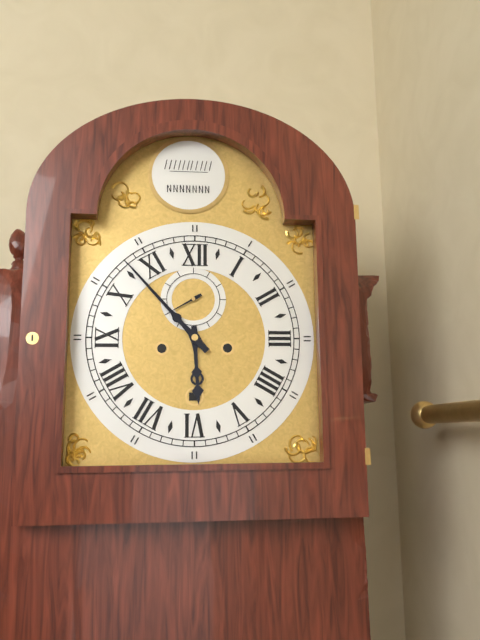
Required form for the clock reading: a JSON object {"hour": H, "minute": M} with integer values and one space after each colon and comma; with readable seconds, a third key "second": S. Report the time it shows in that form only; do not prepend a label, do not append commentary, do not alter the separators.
{"hour": 5, "minute": 53}
